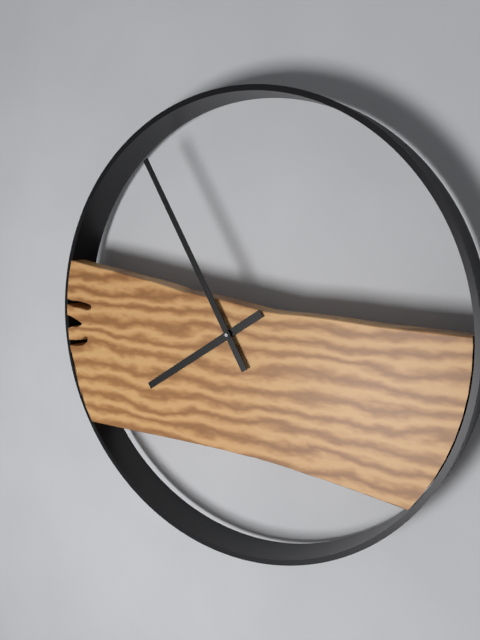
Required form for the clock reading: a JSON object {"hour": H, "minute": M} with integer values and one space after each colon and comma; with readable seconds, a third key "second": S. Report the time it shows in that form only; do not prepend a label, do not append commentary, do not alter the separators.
{"hour": 7, "minute": 55}
